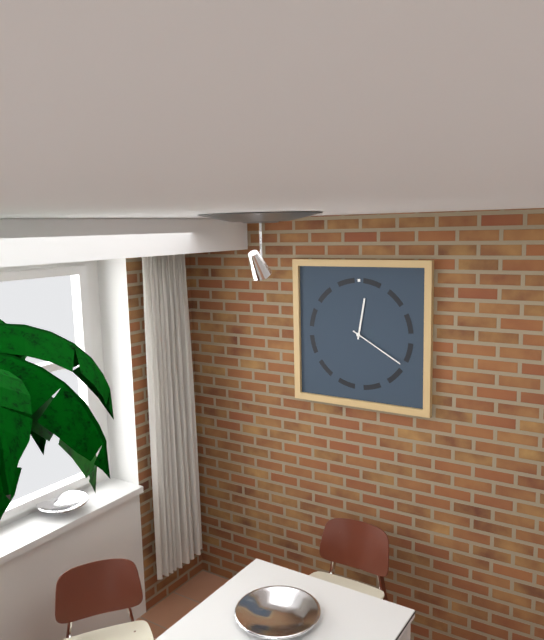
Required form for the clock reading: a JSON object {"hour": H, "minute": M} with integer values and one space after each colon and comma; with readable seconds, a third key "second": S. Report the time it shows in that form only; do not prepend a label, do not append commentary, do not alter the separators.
{"hour": 12, "minute": 20}
